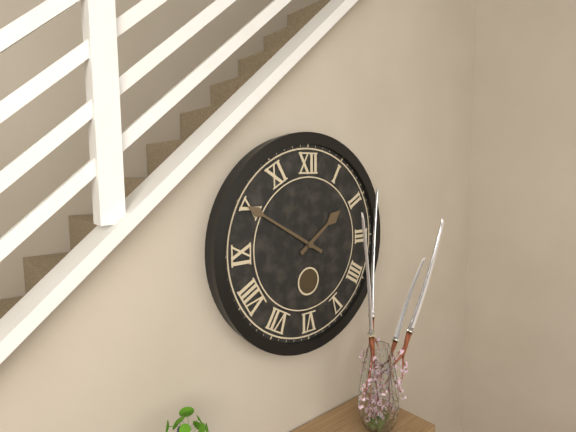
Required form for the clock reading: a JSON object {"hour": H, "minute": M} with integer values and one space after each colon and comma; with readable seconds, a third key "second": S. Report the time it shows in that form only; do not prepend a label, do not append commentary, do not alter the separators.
{"hour": 1, "minute": 50}
